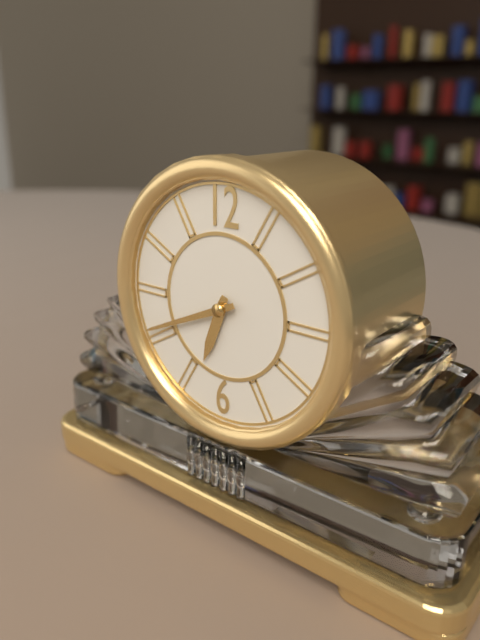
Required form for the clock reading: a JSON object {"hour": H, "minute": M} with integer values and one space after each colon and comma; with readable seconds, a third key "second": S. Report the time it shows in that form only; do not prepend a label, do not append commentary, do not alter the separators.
{"hour": 6, "minute": 41}
